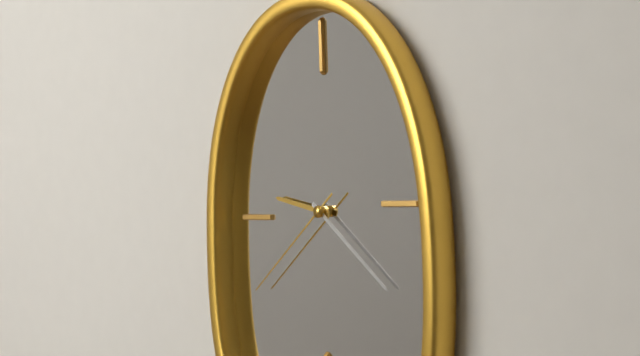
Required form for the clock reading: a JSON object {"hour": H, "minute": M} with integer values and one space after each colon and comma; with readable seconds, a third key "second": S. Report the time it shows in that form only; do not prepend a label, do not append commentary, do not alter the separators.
{"hour": 9, "minute": 21, "second": 39}
